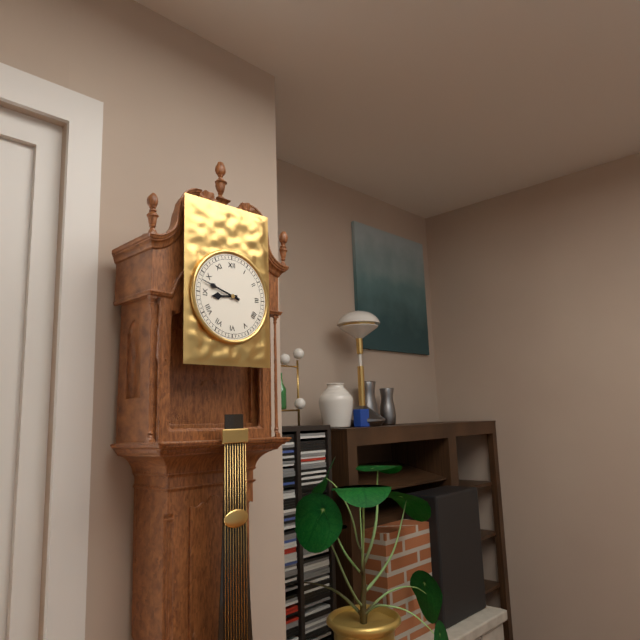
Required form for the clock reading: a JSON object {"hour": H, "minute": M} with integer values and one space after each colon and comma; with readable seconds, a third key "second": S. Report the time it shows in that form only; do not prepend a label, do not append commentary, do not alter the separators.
{"hour": 8, "minute": 48}
